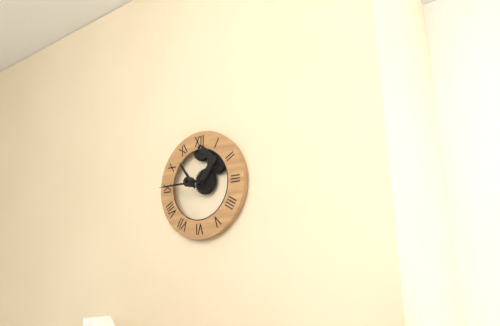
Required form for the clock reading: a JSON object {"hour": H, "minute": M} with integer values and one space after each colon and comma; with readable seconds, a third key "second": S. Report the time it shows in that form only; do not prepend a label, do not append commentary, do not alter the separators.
{"hour": 10, "minute": 45}
